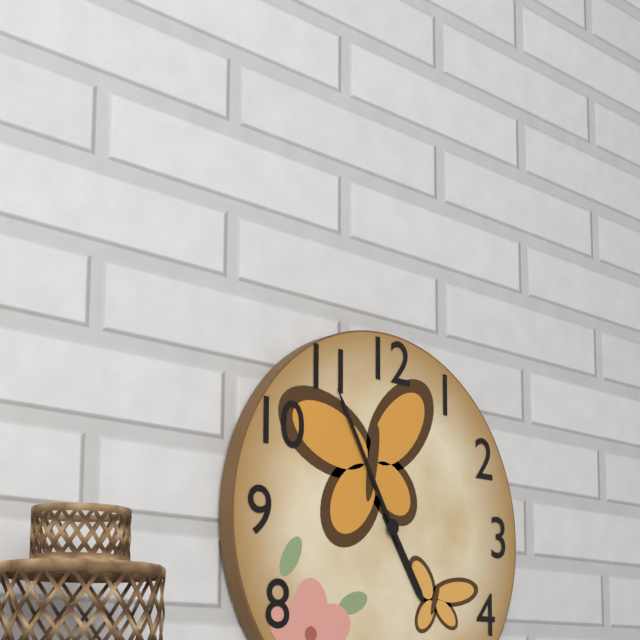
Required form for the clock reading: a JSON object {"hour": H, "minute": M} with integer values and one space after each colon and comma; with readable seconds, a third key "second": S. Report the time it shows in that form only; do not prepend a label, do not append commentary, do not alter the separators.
{"hour": 4, "minute": 55}
